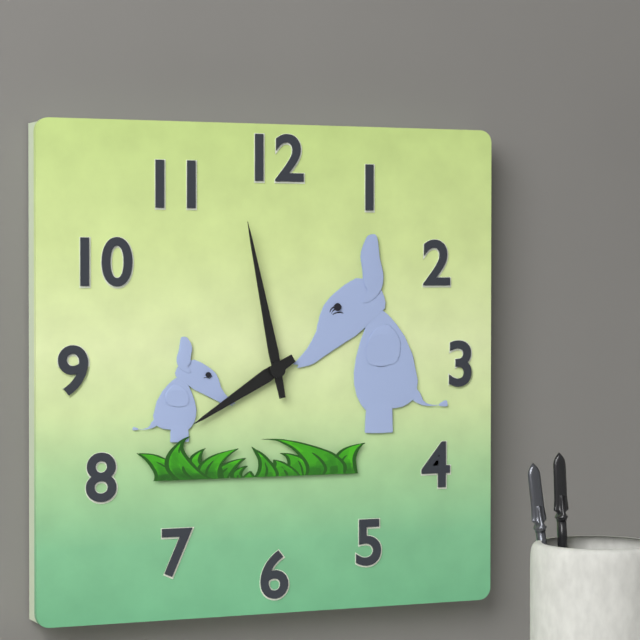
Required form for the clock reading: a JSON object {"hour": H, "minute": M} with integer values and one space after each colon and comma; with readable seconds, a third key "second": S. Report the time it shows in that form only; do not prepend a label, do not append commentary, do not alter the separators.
{"hour": 7, "minute": 58}
